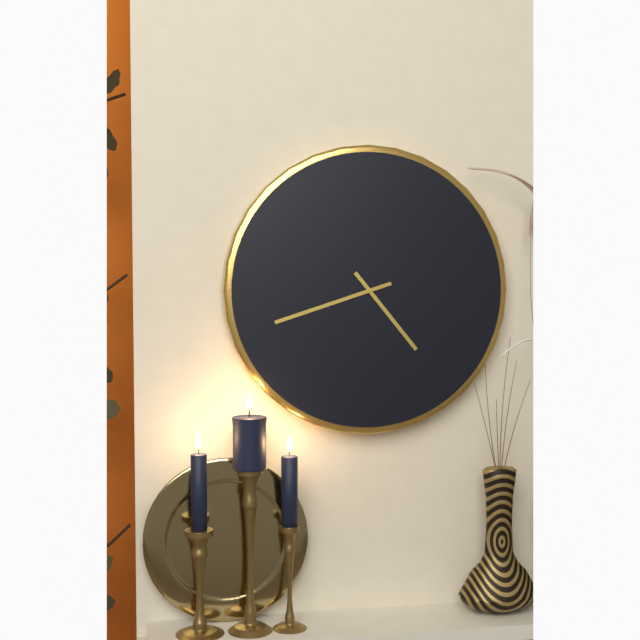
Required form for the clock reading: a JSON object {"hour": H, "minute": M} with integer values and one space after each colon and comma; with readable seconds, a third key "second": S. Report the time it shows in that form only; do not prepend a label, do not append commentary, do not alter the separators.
{"hour": 4, "minute": 42}
